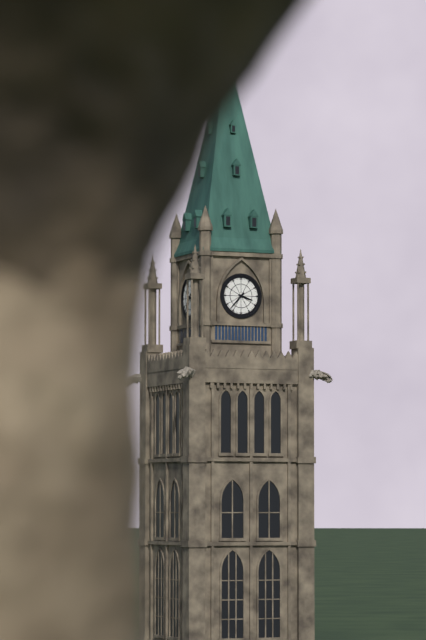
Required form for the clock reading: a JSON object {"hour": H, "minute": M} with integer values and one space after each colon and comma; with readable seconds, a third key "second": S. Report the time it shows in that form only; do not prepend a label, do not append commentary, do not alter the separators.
{"hour": 3, "minute": 37}
